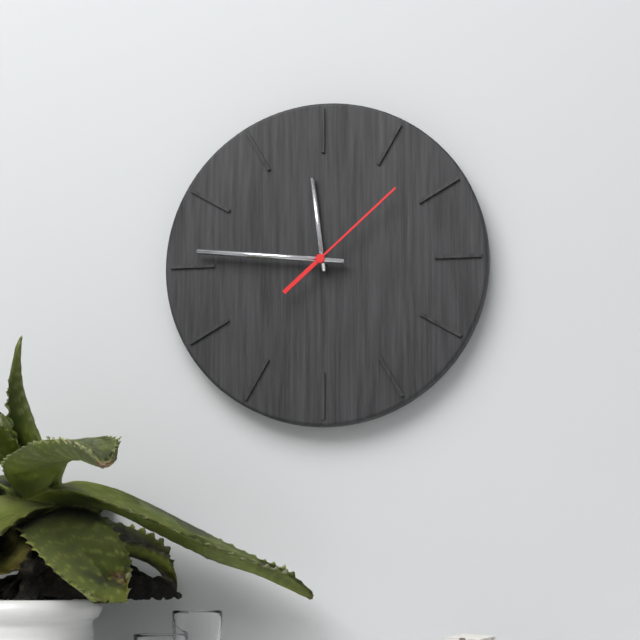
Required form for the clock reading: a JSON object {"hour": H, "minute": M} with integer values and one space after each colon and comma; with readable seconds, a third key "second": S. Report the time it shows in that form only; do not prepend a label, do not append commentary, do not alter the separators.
{"hour": 11, "minute": 46, "second": 8}
